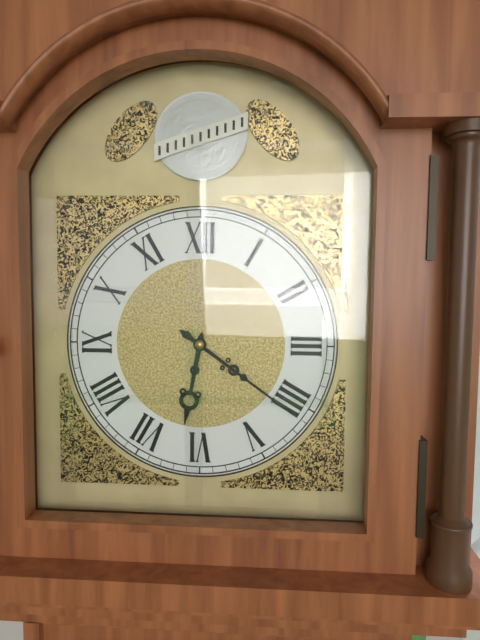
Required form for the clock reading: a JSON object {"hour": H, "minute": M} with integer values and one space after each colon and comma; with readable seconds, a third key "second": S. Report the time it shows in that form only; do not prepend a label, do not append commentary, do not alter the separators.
{"hour": 6, "minute": 21}
